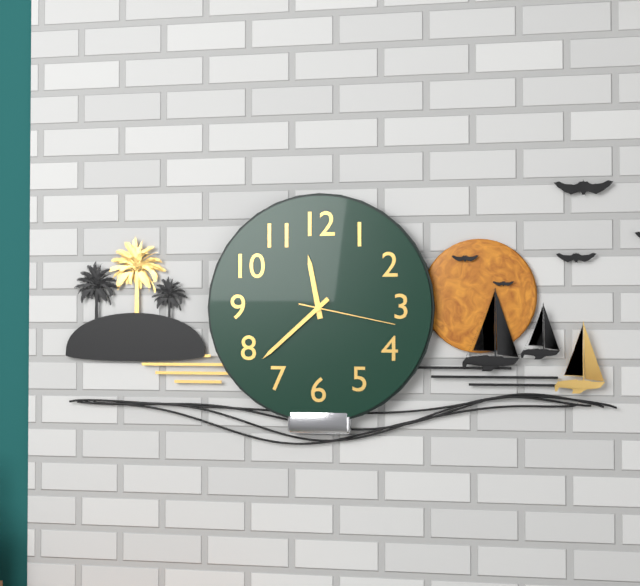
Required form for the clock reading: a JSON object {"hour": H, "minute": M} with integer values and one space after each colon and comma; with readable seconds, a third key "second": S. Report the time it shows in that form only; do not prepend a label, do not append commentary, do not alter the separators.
{"hour": 11, "minute": 38, "second": 17}
